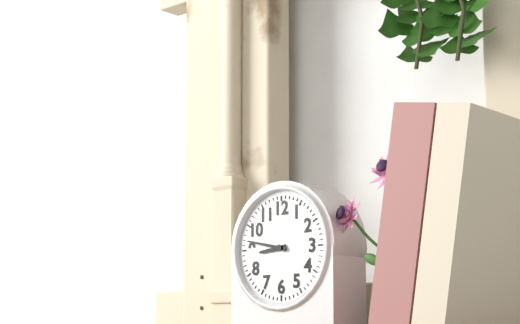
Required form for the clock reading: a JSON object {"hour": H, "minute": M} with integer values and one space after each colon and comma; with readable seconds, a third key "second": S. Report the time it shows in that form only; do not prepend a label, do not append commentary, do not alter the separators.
{"hour": 8, "minute": 47}
